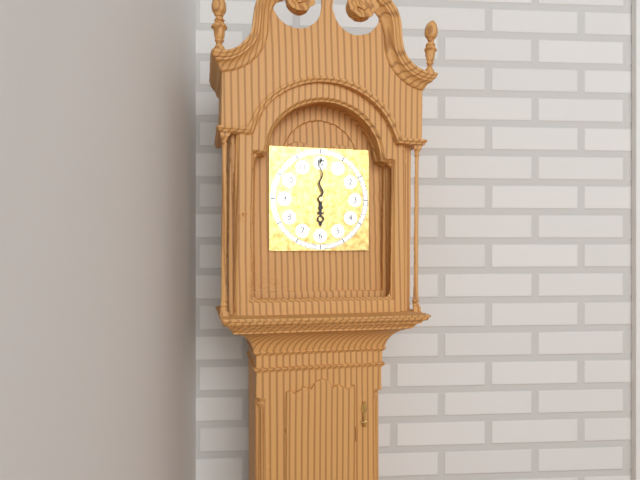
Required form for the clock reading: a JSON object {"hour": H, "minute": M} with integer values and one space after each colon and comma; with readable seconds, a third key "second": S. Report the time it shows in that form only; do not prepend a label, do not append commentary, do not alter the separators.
{"hour": 6, "minute": 0}
